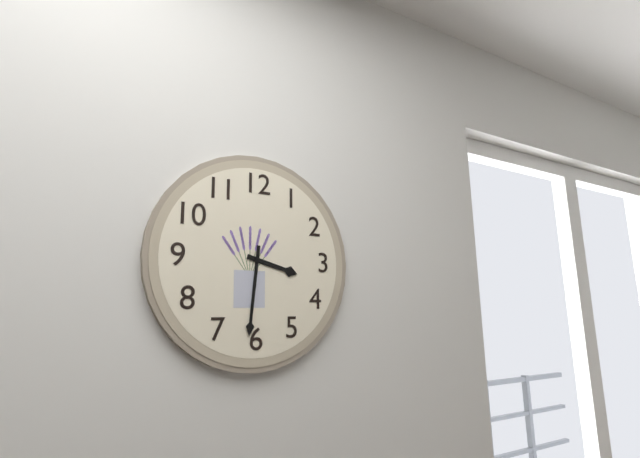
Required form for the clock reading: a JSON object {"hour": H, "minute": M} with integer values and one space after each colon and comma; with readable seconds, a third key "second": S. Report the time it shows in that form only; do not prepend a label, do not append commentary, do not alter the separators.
{"hour": 3, "minute": 31}
